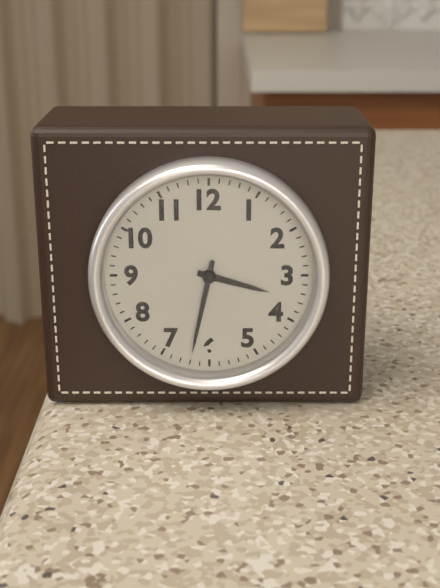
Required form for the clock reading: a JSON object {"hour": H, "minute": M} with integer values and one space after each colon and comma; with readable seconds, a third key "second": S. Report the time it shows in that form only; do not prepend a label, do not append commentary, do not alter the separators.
{"hour": 3, "minute": 32}
